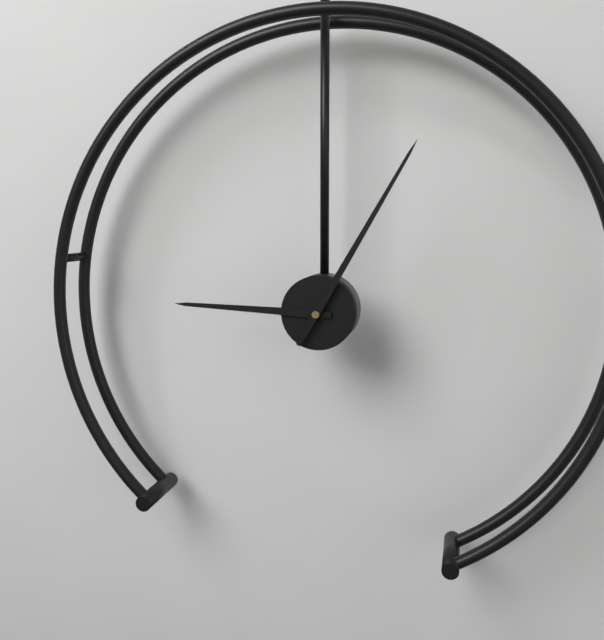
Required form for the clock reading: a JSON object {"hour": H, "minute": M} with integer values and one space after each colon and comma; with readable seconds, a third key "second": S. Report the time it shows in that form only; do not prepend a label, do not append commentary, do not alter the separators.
{"hour": 9, "minute": 5}
